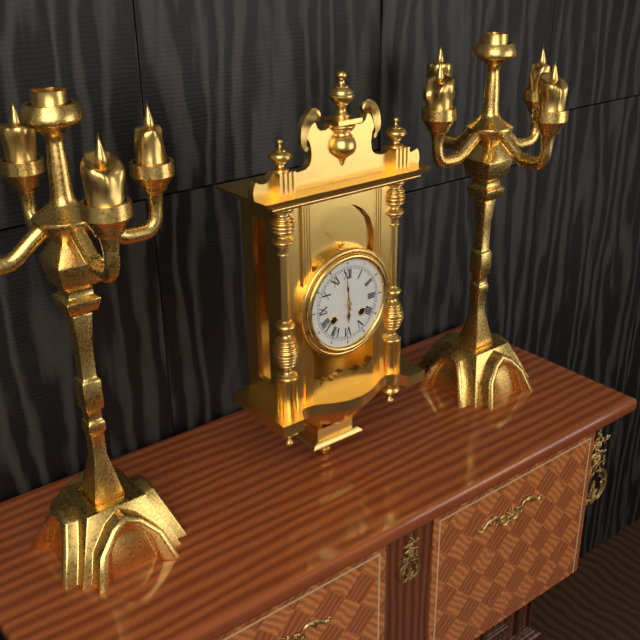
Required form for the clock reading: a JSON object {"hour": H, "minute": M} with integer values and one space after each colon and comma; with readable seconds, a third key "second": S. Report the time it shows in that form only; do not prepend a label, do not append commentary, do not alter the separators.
{"hour": 5, "minute": 59}
